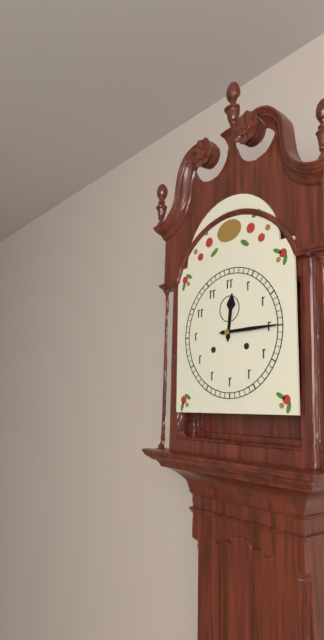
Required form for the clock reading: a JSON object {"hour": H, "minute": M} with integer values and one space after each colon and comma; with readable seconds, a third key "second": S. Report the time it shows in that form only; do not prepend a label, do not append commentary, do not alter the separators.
{"hour": 12, "minute": 15}
